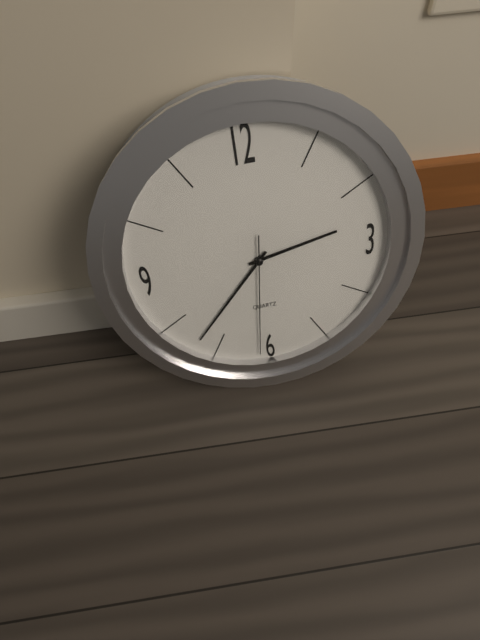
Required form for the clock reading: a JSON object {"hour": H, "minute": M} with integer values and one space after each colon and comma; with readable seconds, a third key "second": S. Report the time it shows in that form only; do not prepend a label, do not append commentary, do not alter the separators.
{"hour": 2, "minute": 37, "second": 31}
